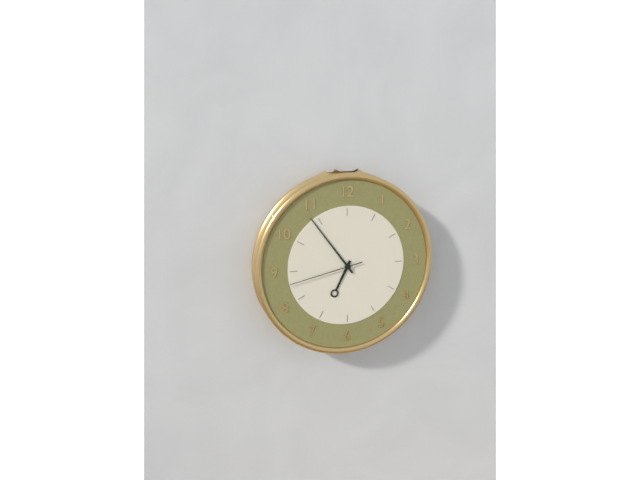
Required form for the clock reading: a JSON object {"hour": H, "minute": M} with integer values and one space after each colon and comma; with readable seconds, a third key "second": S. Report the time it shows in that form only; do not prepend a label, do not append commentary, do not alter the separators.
{"hour": 6, "minute": 54, "second": 43}
